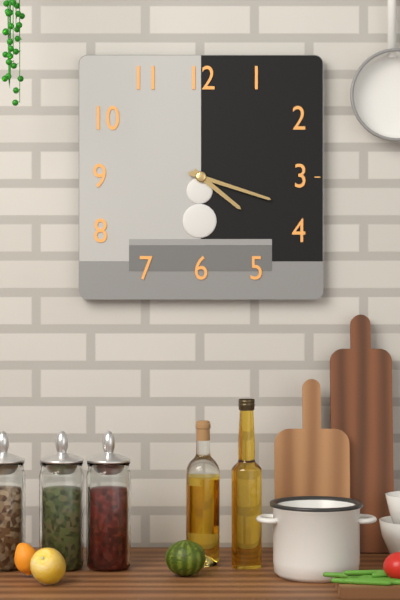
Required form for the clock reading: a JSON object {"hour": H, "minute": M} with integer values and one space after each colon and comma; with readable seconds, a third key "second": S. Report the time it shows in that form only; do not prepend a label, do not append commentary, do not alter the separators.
{"hour": 4, "minute": 18}
